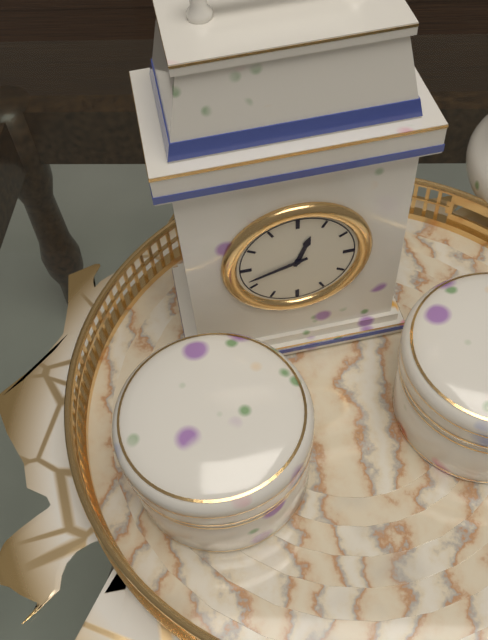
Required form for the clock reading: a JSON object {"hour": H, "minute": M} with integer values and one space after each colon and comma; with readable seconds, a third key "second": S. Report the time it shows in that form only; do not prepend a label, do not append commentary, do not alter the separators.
{"hour": 12, "minute": 42}
